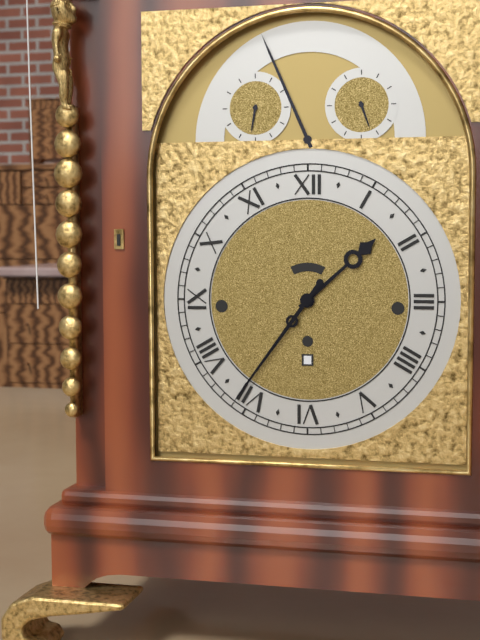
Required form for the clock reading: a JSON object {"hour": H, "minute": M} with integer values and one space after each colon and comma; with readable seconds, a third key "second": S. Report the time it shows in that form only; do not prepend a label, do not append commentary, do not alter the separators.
{"hour": 1, "minute": 36}
